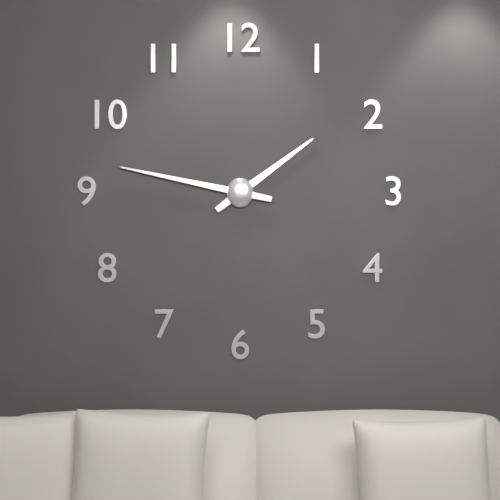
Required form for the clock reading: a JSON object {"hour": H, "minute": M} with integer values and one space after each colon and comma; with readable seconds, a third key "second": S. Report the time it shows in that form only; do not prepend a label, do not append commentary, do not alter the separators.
{"hour": 1, "minute": 47}
